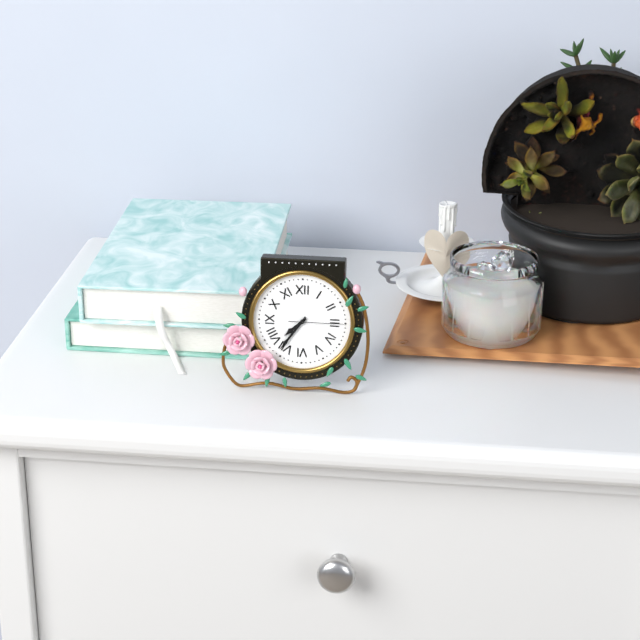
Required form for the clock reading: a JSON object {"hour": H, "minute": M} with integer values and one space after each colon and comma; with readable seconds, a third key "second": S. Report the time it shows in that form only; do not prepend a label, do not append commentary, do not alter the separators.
{"hour": 7, "minute": 36, "second": 15}
